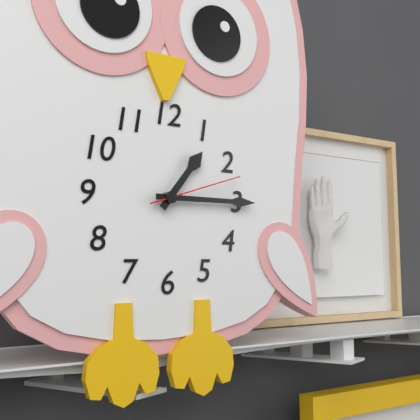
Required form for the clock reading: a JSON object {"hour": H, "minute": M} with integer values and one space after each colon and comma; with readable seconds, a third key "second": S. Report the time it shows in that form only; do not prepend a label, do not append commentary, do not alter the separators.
{"hour": 1, "minute": 15, "second": 12}
